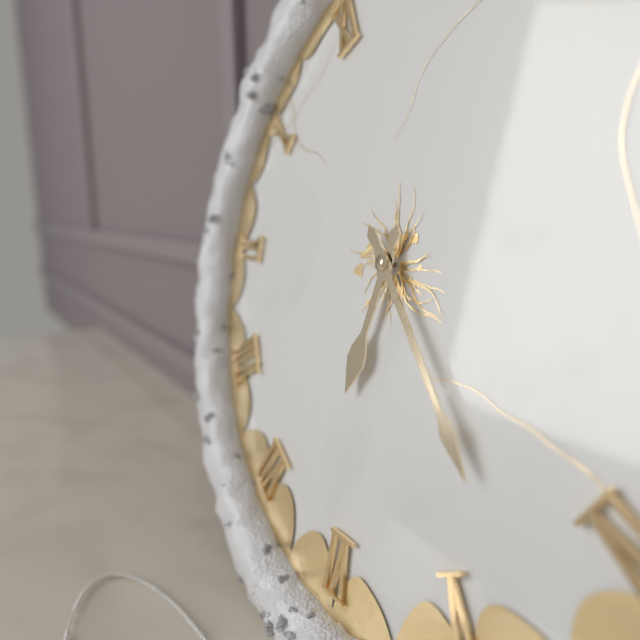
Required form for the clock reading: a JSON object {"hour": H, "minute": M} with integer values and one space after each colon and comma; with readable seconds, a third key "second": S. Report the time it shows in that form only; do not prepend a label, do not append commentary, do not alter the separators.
{"hour": 6, "minute": 23}
